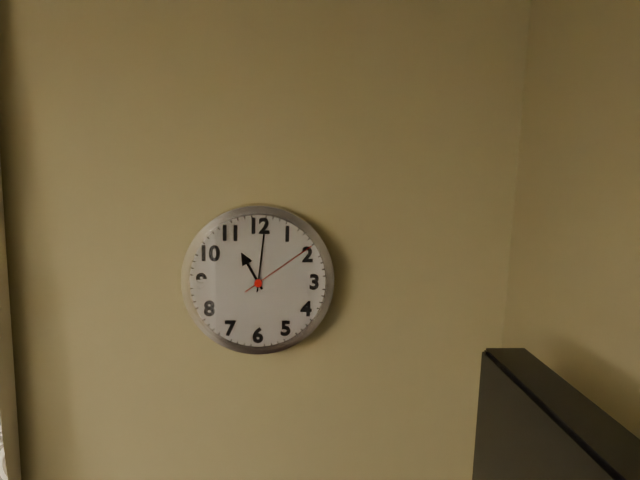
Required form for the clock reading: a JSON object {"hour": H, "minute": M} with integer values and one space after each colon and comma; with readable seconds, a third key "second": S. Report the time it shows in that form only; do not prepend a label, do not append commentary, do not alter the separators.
{"hour": 11, "minute": 1, "second": 9}
